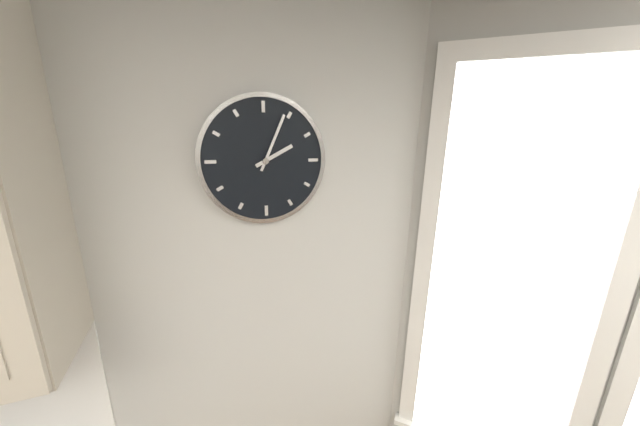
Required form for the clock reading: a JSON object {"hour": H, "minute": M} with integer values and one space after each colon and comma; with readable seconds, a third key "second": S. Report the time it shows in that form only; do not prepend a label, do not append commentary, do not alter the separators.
{"hour": 2, "minute": 4}
